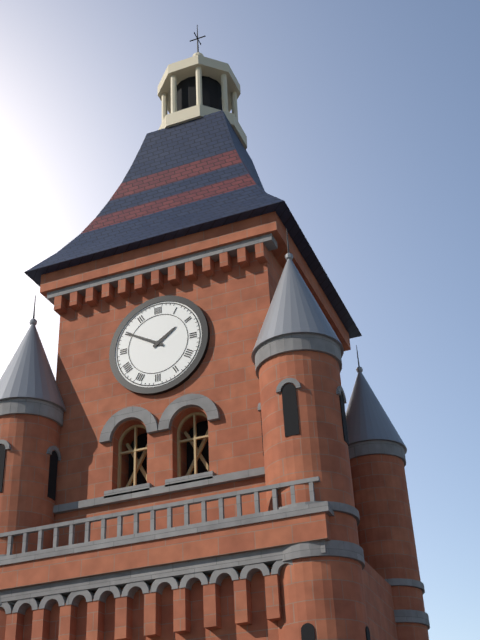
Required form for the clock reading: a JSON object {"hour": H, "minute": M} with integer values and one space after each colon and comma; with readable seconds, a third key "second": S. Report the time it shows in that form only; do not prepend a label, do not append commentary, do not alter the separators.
{"hour": 1, "minute": 50}
